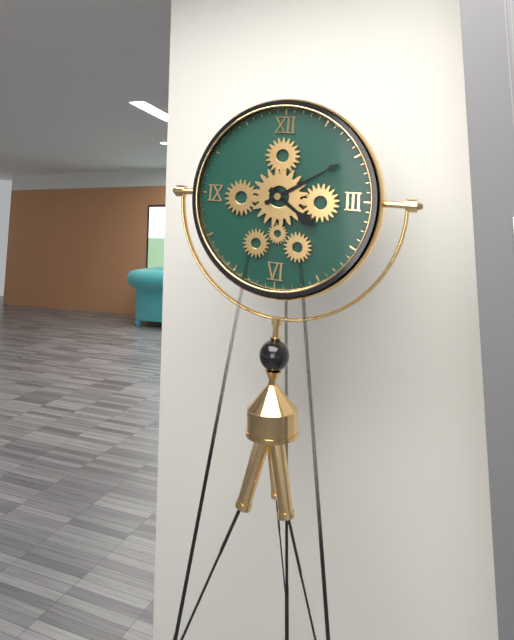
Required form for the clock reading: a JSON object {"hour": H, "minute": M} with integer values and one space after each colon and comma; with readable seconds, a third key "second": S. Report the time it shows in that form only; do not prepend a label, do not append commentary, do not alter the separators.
{"hour": 4, "minute": 10}
